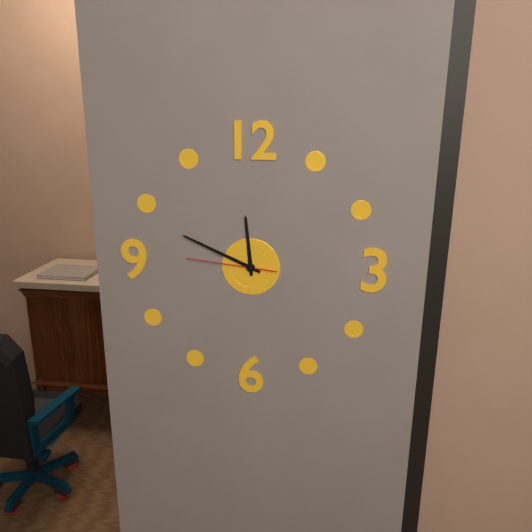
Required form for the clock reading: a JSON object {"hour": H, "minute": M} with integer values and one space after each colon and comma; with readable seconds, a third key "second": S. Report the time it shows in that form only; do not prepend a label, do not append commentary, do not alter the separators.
{"hour": 11, "minute": 49, "second": 46}
